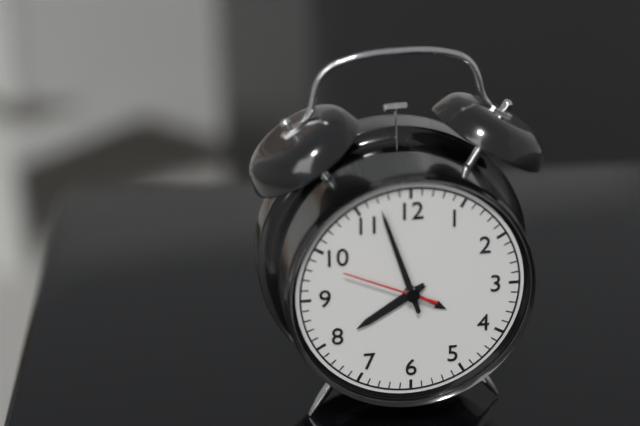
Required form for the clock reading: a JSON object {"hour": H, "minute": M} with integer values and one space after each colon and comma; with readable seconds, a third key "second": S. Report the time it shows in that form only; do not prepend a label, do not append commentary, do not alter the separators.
{"hour": 7, "minute": 57, "second": 49}
